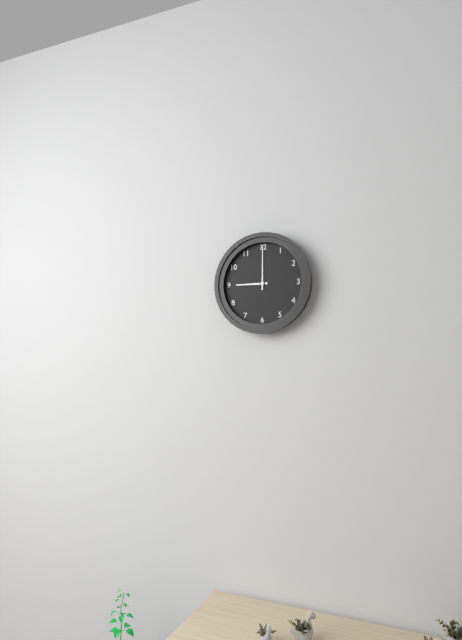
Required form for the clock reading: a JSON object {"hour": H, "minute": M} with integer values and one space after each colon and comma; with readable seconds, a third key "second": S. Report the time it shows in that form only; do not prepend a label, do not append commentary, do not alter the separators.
{"hour": 9, "minute": 0}
